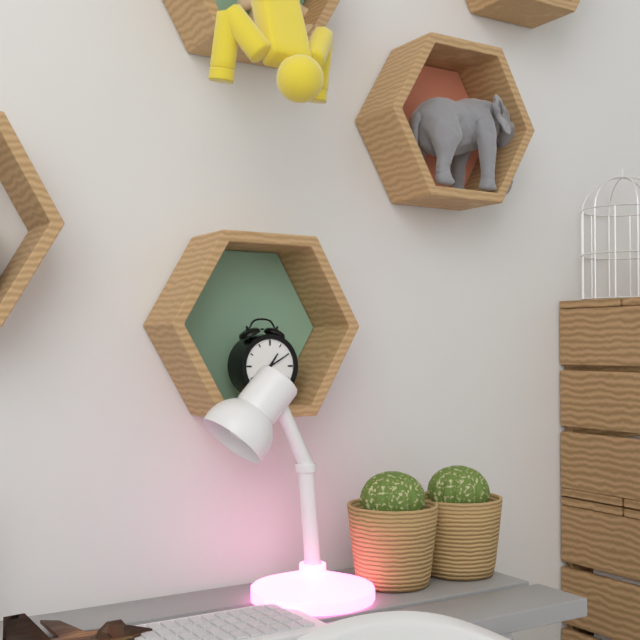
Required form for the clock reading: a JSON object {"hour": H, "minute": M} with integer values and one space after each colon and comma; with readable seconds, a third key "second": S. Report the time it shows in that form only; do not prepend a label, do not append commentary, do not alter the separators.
{"hour": 1, "minute": 10}
